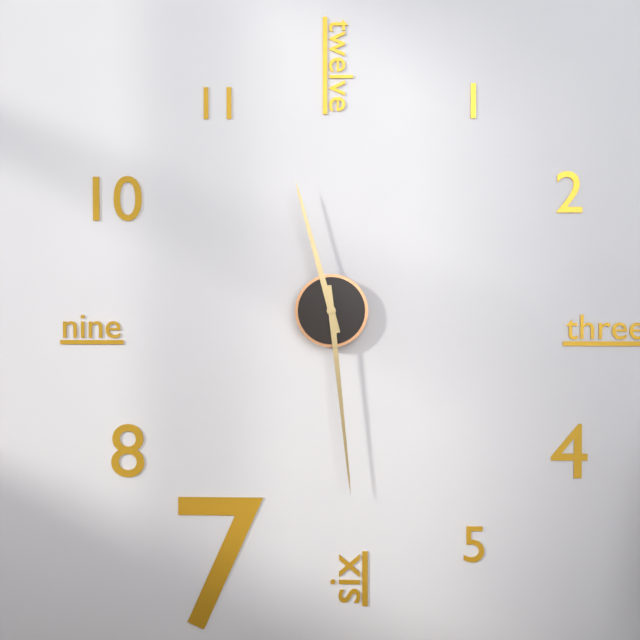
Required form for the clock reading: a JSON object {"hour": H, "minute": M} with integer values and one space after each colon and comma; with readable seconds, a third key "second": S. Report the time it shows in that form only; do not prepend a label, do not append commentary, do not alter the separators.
{"hour": 11, "minute": 29}
